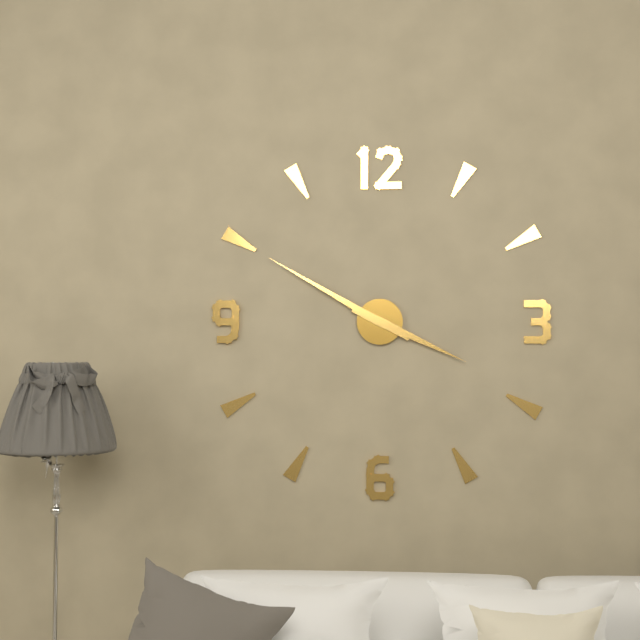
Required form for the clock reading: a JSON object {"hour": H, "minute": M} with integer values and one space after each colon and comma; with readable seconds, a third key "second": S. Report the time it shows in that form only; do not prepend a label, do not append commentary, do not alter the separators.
{"hour": 3, "minute": 50}
